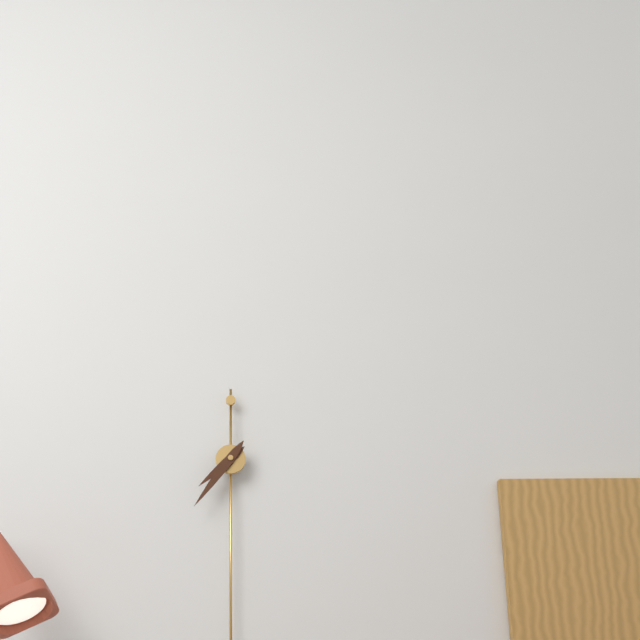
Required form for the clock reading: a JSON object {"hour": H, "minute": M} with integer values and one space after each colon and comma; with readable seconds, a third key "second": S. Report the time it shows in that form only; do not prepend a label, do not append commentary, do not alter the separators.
{"hour": 7, "minute": 36}
